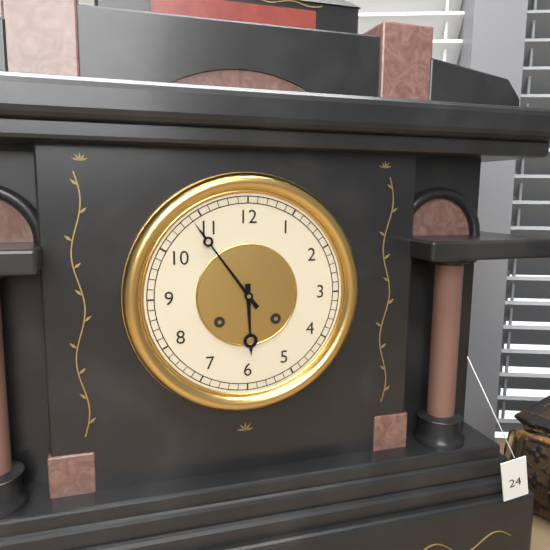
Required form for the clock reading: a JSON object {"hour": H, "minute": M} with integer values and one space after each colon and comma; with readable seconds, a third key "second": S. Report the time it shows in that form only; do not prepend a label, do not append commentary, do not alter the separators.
{"hour": 5, "minute": 54}
